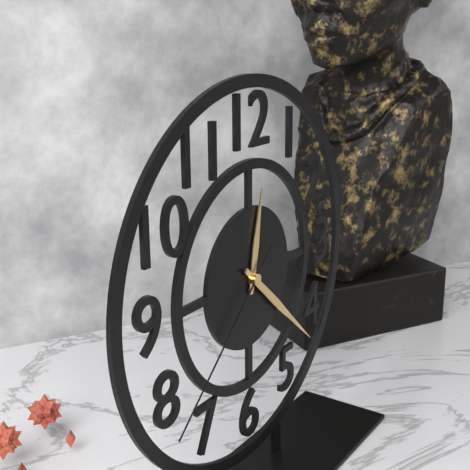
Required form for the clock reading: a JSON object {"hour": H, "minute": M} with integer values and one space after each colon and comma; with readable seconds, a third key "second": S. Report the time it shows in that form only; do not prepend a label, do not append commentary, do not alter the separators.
{"hour": 12, "minute": 22, "second": 38}
